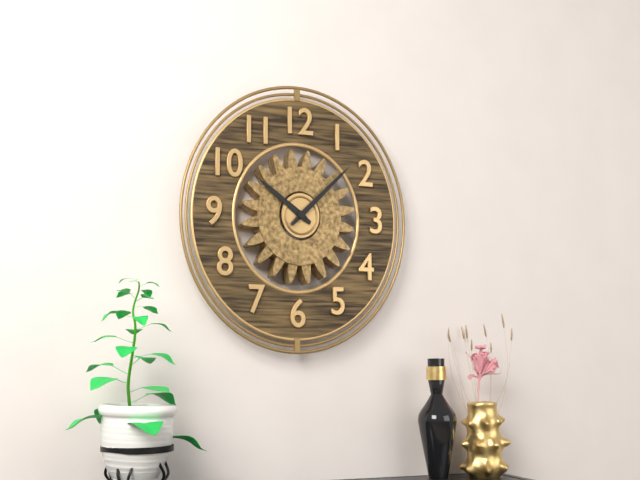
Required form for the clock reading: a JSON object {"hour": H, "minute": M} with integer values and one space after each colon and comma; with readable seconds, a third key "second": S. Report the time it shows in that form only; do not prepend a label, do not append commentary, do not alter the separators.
{"hour": 10, "minute": 8}
